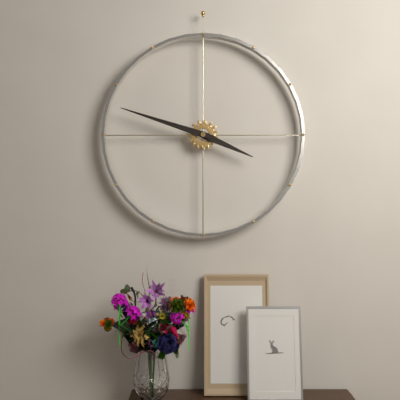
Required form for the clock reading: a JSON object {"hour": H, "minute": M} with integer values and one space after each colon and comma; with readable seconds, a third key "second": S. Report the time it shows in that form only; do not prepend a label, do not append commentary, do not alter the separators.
{"hour": 3, "minute": 48}
